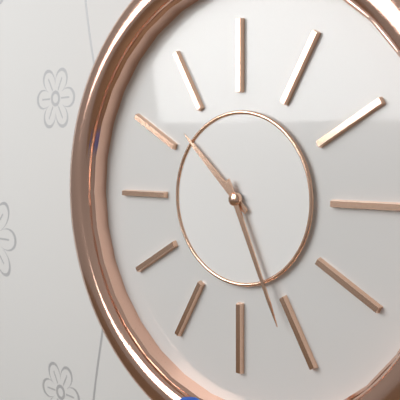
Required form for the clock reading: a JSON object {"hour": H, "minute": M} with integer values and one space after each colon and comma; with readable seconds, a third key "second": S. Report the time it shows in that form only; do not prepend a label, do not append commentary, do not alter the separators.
{"hour": 10, "minute": 26}
